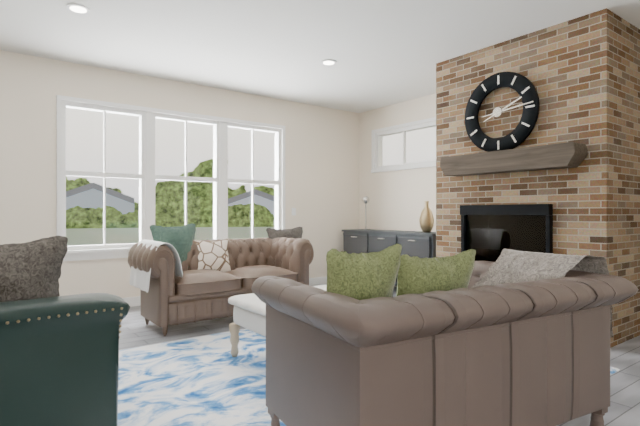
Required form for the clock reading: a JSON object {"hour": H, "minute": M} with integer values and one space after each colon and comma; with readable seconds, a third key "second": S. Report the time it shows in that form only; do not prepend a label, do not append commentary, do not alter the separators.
{"hour": 2, "minute": 14}
